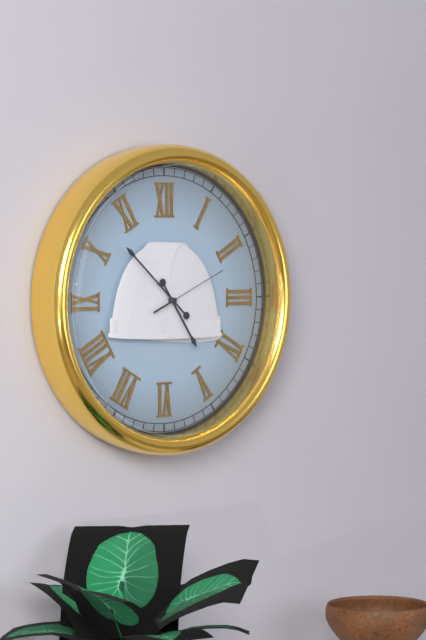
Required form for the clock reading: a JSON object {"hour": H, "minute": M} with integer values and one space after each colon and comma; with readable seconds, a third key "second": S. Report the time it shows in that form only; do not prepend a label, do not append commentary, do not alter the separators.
{"hour": 4, "minute": 52, "second": 11}
